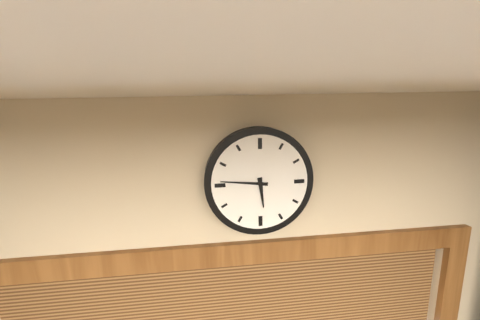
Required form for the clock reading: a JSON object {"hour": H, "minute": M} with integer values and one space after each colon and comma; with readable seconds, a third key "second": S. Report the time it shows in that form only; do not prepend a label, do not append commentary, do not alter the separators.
{"hour": 5, "minute": 46}
